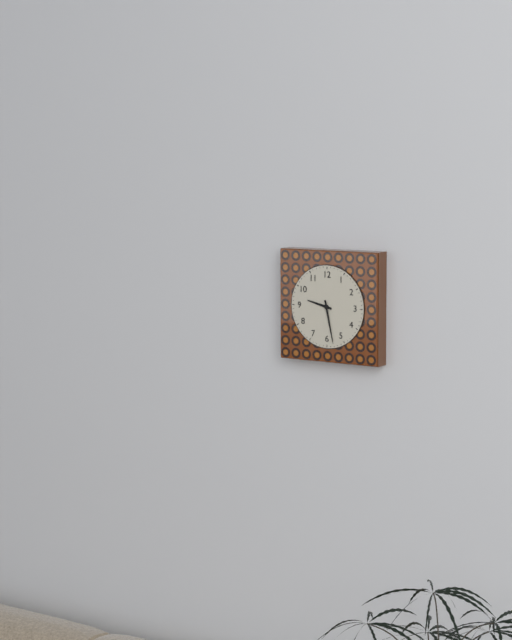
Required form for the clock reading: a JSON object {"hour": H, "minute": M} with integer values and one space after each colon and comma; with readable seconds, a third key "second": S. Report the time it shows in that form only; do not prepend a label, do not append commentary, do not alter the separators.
{"hour": 9, "minute": 28}
